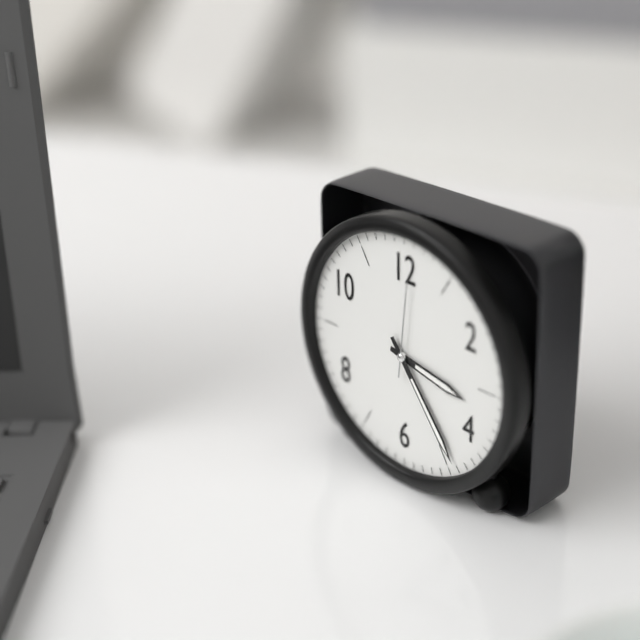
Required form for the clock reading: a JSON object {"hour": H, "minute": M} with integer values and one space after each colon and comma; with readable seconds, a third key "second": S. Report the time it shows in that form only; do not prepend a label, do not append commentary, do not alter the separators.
{"hour": 3, "minute": 24, "second": 1}
